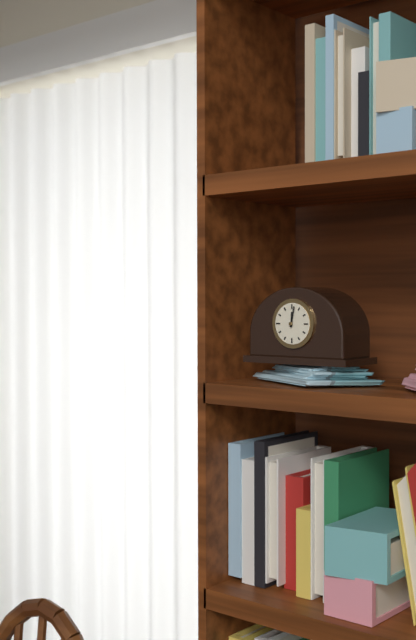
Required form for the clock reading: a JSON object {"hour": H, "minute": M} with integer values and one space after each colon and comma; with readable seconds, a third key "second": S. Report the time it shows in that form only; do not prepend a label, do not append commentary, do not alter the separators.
{"hour": 12, "minute": 2}
